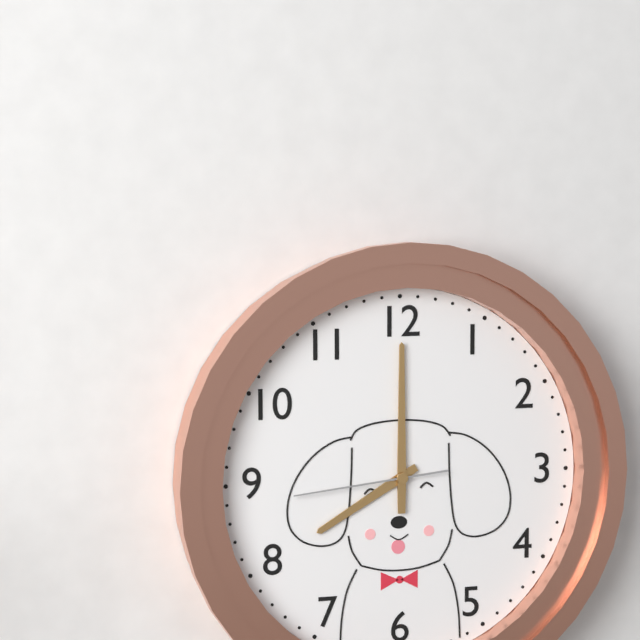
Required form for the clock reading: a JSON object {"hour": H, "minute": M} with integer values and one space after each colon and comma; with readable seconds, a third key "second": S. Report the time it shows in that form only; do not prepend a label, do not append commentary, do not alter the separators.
{"hour": 8, "minute": 0, "second": 44}
